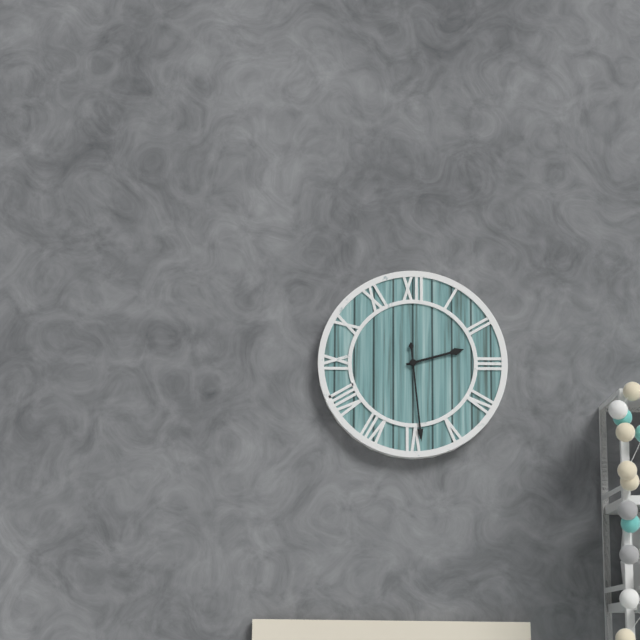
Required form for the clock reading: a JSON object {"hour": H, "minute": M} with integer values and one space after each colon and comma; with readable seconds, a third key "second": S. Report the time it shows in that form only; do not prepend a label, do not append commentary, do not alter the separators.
{"hour": 2, "minute": 29}
